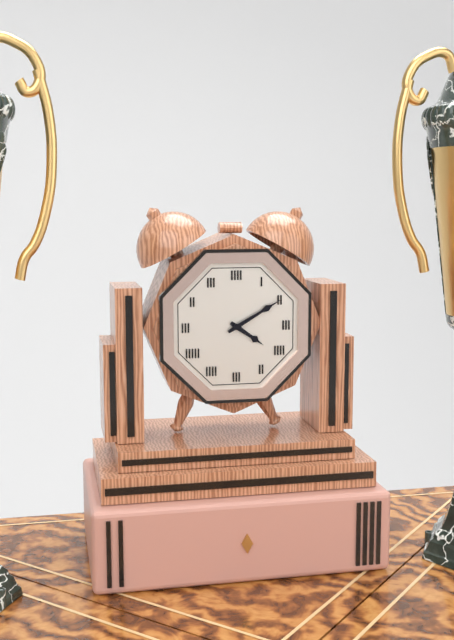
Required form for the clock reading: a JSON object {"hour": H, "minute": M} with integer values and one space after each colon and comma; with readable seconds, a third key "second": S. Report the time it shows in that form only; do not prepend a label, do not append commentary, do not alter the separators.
{"hour": 4, "minute": 10}
